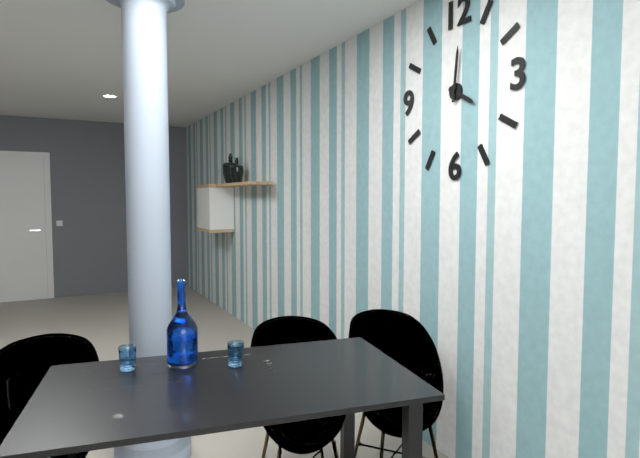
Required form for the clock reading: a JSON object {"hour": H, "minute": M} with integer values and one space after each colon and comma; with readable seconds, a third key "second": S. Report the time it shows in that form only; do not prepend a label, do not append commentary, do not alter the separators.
{"hour": 4, "minute": 1}
